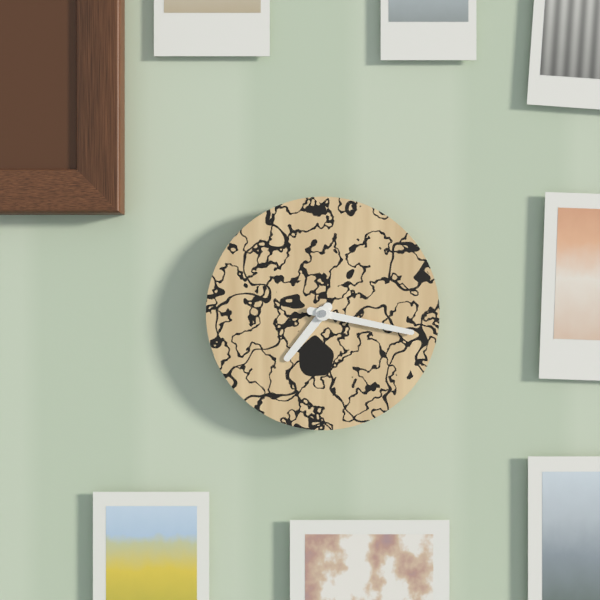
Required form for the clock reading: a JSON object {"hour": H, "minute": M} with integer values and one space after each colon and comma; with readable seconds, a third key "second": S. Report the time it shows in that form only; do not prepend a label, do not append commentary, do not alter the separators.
{"hour": 7, "minute": 17}
